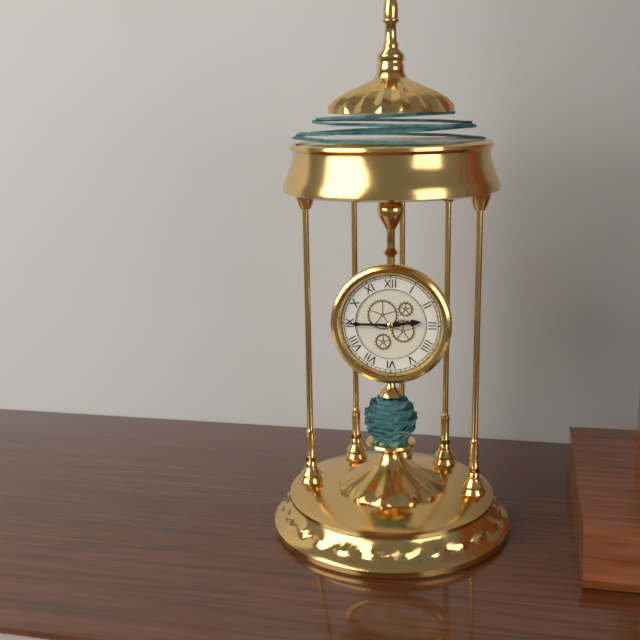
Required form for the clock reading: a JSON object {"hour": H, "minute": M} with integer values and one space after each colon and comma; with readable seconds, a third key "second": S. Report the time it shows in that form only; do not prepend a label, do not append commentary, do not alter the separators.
{"hour": 2, "minute": 45}
